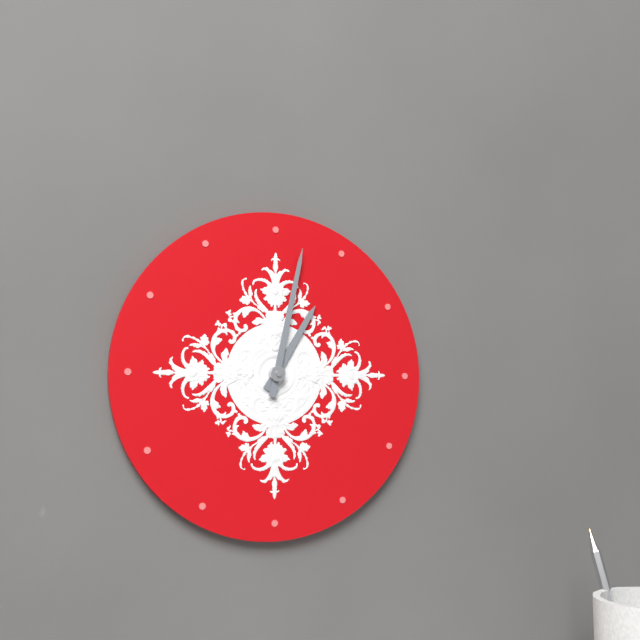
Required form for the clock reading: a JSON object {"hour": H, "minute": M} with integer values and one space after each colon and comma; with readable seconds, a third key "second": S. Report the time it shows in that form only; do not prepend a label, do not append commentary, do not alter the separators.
{"hour": 1, "minute": 2}
